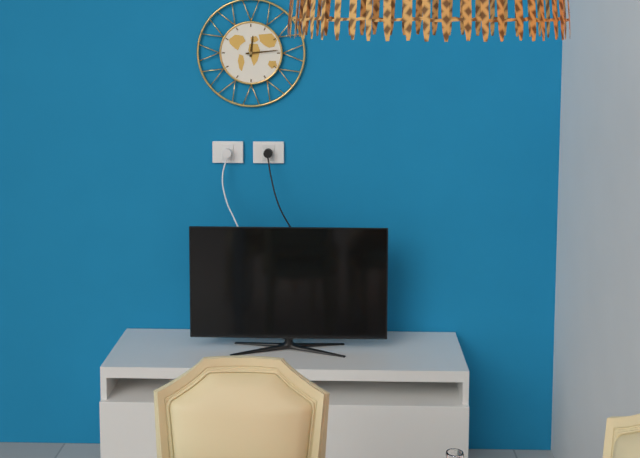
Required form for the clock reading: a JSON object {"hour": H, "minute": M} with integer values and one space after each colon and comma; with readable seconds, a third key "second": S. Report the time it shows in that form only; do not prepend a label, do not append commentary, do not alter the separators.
{"hour": 12, "minute": 14}
